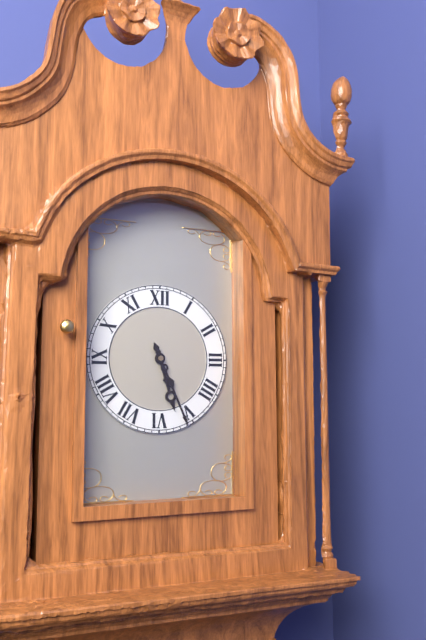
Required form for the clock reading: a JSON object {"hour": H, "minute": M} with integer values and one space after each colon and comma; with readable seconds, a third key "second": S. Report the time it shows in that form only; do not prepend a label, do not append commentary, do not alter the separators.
{"hour": 5, "minute": 26}
